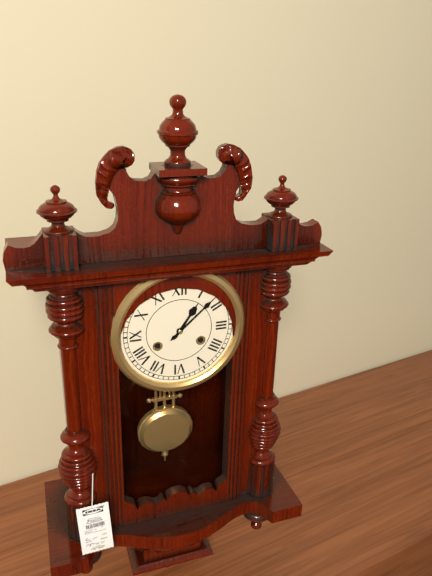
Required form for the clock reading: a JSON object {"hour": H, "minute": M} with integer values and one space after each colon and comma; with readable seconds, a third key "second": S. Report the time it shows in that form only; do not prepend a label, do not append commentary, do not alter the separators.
{"hour": 1, "minute": 8}
